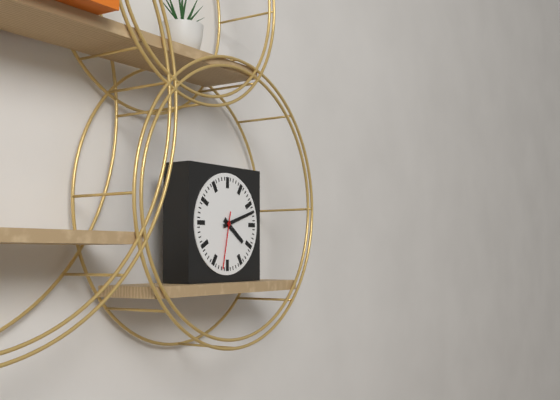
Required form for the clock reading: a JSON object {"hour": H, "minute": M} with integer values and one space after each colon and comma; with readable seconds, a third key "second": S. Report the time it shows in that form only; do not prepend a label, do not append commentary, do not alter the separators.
{"hour": 4, "minute": 12, "second": 32}
